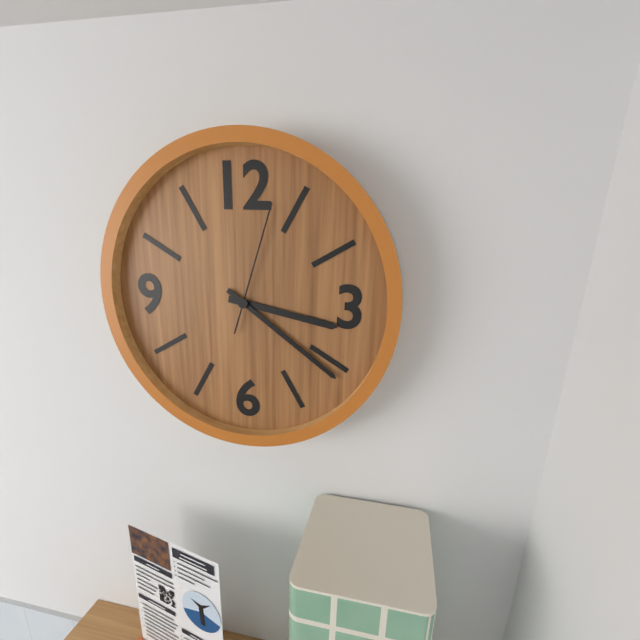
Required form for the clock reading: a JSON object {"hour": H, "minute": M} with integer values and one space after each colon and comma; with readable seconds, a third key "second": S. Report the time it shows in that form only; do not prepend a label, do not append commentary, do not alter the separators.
{"hour": 3, "minute": 21, "second": 3}
